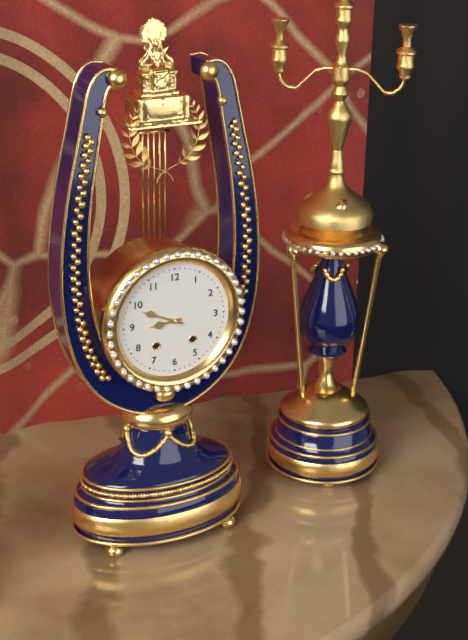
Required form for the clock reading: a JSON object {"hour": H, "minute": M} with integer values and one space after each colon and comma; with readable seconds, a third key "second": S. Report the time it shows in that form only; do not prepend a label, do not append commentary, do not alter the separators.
{"hour": 8, "minute": 49}
